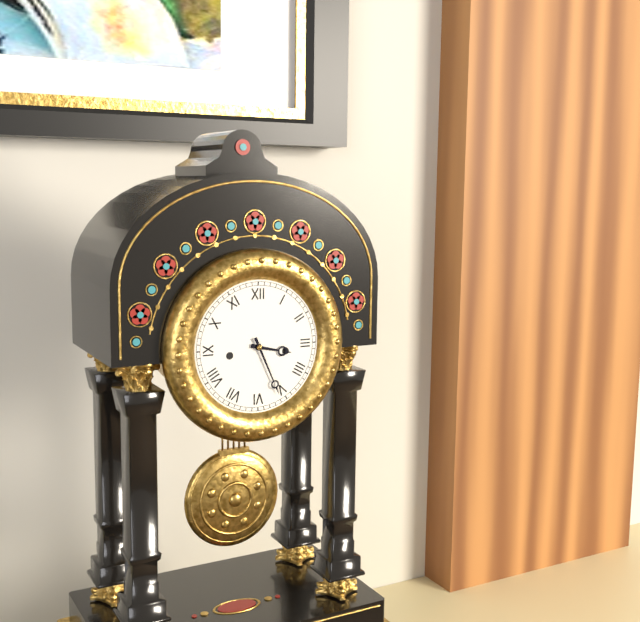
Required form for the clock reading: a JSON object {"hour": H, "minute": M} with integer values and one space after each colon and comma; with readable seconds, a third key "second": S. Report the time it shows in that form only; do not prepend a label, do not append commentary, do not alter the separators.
{"hour": 3, "minute": 26}
